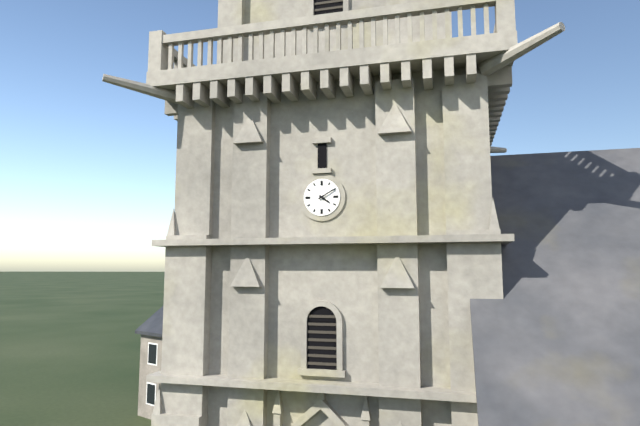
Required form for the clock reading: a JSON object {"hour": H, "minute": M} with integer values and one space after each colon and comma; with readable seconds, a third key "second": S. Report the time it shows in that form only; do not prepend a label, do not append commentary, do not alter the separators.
{"hour": 4, "minute": 10}
